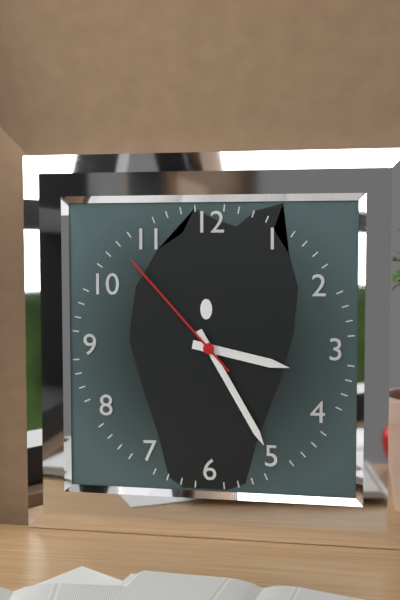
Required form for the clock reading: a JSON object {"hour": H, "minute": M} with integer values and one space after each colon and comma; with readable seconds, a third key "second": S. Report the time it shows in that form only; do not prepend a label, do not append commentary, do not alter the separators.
{"hour": 3, "minute": 25, "second": 53}
